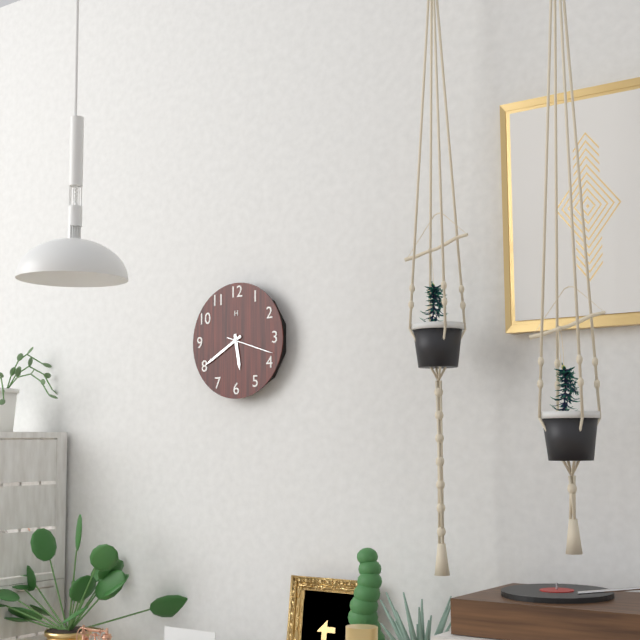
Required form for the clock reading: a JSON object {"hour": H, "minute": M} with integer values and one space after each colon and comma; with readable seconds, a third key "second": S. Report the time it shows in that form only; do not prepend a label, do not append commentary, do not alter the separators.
{"hour": 5, "minute": 40}
